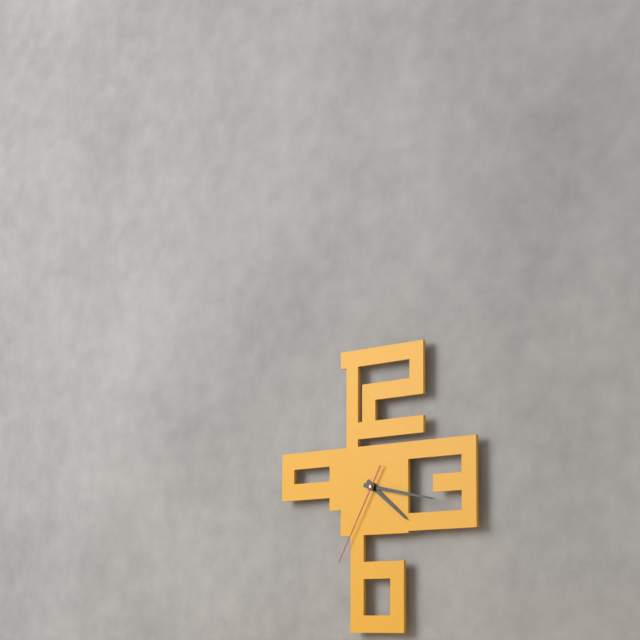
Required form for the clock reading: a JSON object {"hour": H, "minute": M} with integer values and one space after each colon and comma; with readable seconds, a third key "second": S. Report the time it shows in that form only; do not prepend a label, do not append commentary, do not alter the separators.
{"hour": 4, "minute": 17, "second": 35}
